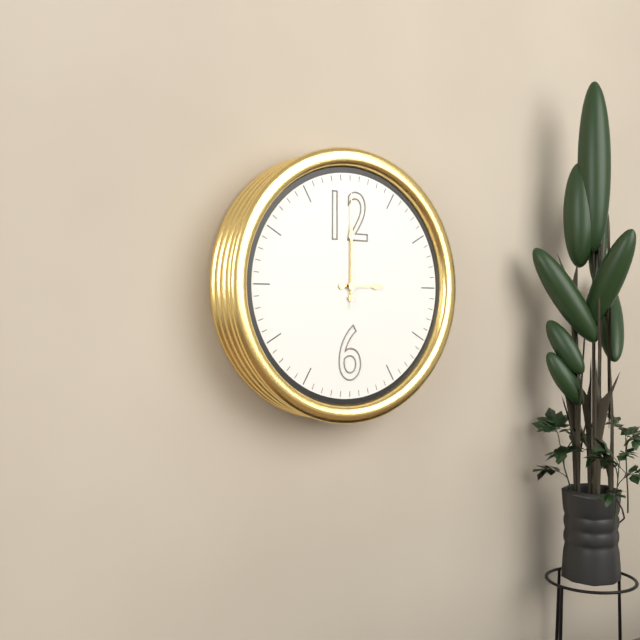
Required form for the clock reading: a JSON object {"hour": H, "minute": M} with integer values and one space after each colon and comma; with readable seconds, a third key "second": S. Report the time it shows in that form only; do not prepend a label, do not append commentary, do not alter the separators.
{"hour": 3, "minute": 0, "second": 0}
